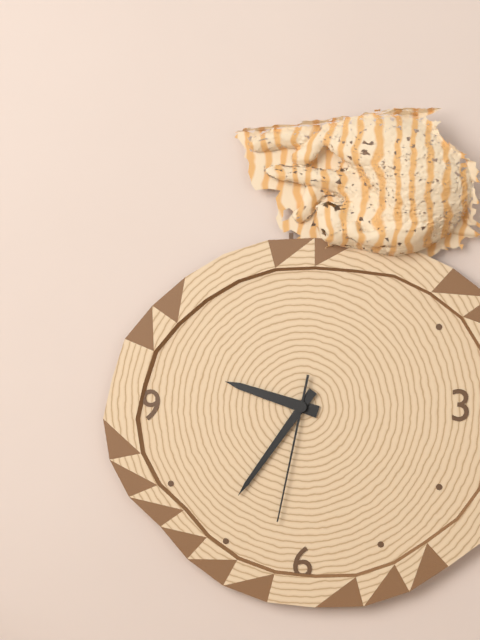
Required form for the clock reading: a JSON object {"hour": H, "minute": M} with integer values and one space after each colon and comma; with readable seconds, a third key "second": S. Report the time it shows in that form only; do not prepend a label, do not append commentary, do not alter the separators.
{"hour": 9, "minute": 36, "second": 32}
